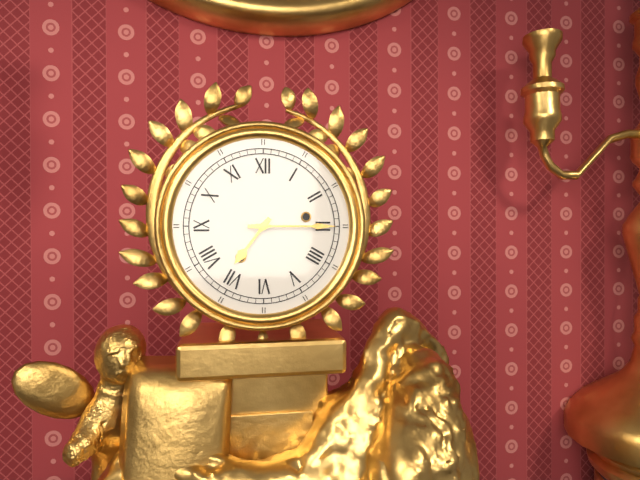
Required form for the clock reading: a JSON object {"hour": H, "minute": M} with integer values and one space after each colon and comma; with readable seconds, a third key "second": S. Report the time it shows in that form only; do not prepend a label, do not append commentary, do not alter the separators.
{"hour": 7, "minute": 15}
